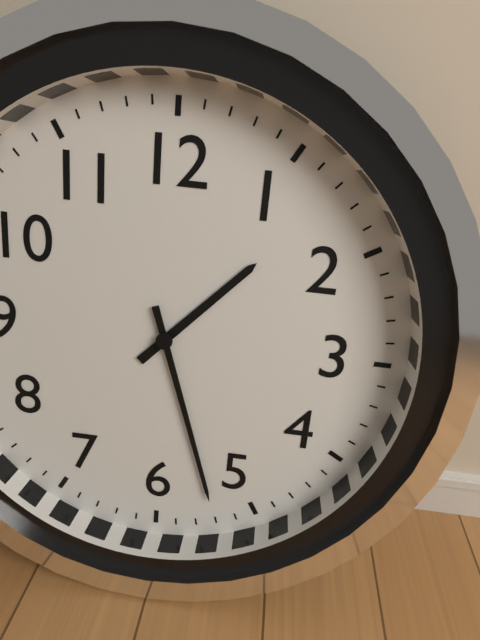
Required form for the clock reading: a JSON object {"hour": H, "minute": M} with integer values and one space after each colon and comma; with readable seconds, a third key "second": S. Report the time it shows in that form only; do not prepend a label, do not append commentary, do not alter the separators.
{"hour": 1, "minute": 27}
